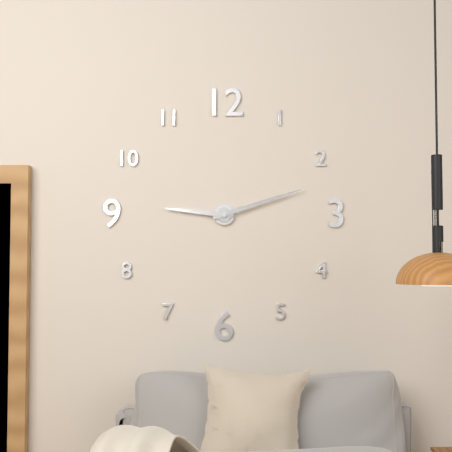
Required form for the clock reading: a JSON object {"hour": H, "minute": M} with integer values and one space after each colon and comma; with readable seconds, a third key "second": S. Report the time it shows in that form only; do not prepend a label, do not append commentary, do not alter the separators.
{"hour": 9, "minute": 12}
